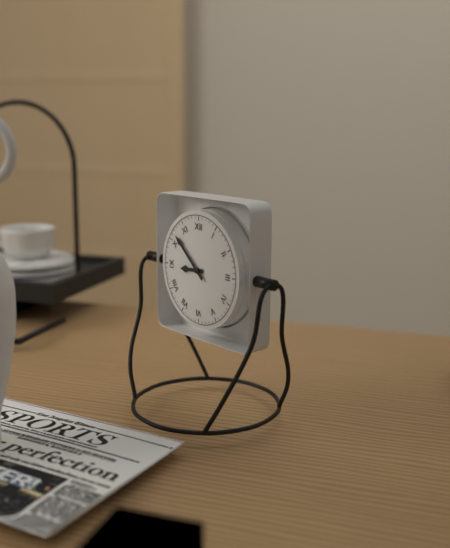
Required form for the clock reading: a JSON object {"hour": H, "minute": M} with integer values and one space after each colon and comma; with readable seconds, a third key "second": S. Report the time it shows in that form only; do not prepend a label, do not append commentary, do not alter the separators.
{"hour": 8, "minute": 52}
